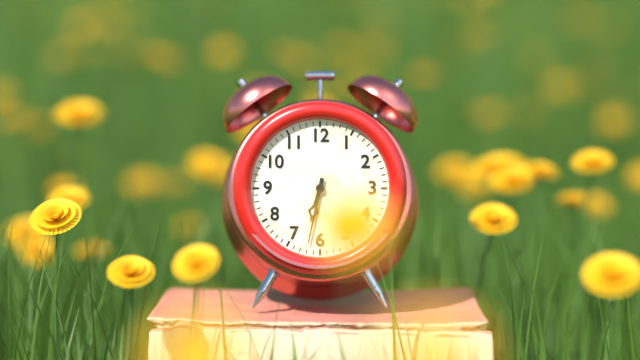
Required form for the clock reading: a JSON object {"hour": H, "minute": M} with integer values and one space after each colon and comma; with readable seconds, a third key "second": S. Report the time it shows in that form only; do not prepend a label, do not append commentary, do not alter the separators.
{"hour": 6, "minute": 32}
